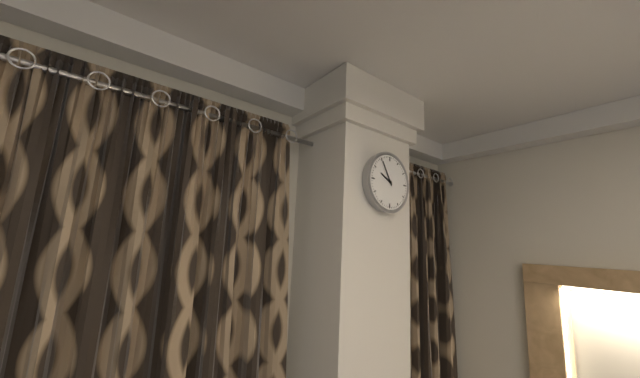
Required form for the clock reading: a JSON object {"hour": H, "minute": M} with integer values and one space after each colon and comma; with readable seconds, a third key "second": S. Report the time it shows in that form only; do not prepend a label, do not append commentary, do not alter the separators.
{"hour": 9, "minute": 55}
